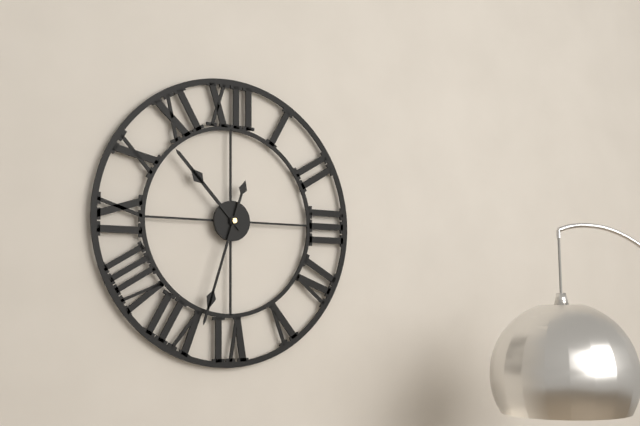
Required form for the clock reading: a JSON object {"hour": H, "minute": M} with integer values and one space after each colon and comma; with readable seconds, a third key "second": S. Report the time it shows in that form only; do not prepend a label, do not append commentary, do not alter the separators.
{"hour": 10, "minute": 33}
